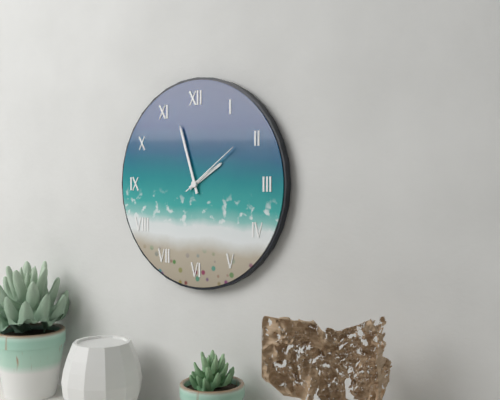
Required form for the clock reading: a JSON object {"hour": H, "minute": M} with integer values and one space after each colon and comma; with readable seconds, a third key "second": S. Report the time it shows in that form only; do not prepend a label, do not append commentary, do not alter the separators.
{"hour": 1, "minute": 57, "second": 9}
